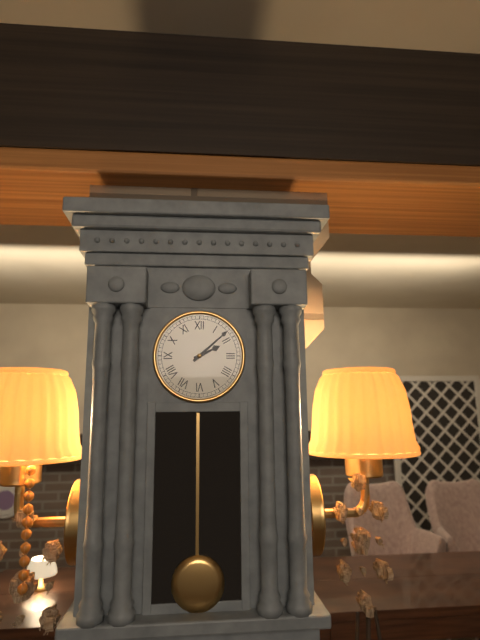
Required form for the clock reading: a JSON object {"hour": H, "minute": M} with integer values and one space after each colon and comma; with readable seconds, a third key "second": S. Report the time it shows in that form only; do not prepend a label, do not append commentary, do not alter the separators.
{"hour": 2, "minute": 8}
